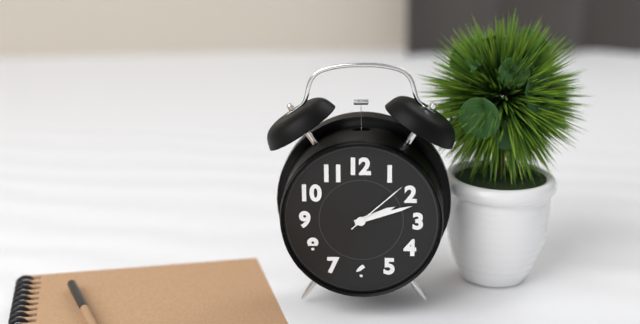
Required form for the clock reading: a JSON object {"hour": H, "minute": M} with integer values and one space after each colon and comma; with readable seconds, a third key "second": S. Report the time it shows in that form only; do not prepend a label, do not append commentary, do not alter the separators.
{"hour": 2, "minute": 12, "second": 8}
